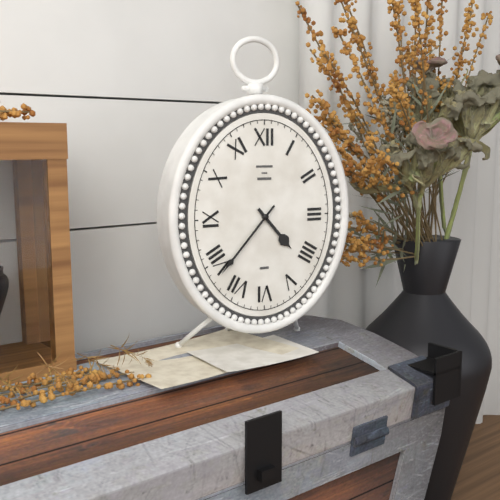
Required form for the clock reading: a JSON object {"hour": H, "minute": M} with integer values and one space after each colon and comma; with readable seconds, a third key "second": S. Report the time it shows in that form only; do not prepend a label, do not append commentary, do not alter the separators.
{"hour": 4, "minute": 37}
